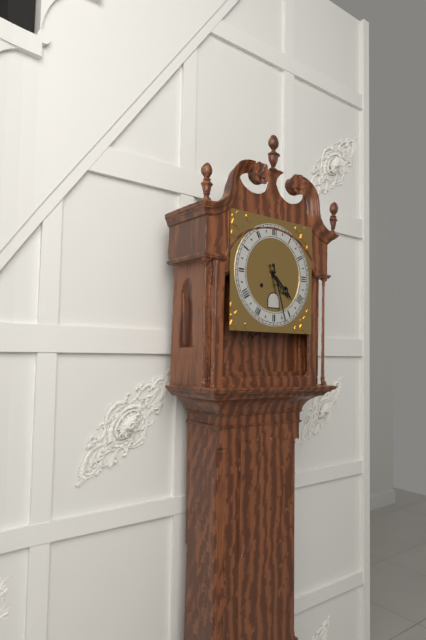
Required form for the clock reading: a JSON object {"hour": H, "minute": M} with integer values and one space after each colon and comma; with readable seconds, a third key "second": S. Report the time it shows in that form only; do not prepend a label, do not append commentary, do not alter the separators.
{"hour": 4, "minute": 27}
